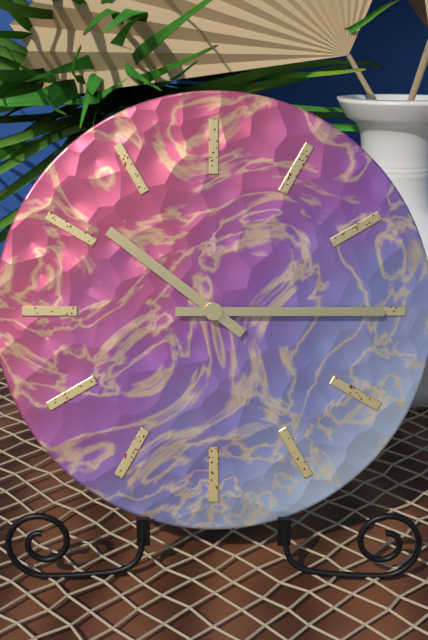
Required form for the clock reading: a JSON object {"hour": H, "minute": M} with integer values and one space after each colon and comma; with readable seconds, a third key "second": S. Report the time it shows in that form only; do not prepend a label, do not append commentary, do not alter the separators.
{"hour": 10, "minute": 15}
